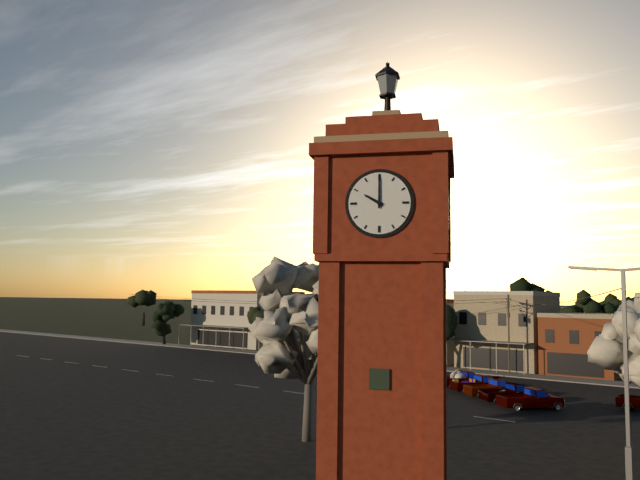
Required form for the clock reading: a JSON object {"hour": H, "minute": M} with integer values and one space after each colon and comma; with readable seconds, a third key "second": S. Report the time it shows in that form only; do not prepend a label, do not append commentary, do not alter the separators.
{"hour": 10, "minute": 0}
